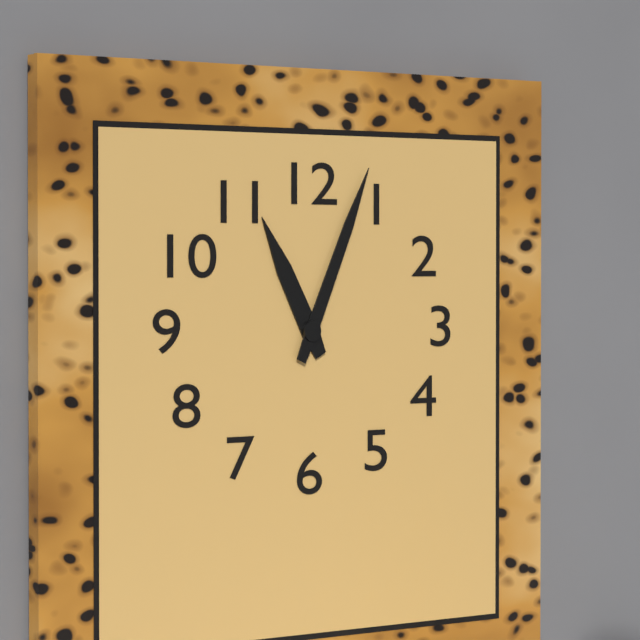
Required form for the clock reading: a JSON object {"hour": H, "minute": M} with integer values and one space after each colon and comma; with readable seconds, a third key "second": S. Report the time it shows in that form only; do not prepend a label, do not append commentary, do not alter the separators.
{"hour": 11, "minute": 4}
